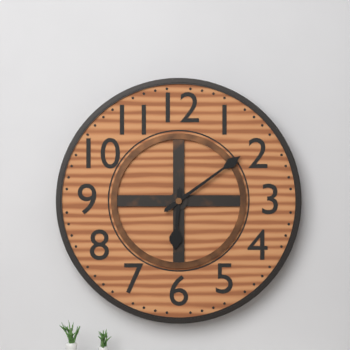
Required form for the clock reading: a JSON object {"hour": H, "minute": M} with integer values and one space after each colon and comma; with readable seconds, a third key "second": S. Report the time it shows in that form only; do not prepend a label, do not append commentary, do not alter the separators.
{"hour": 6, "minute": 9}
